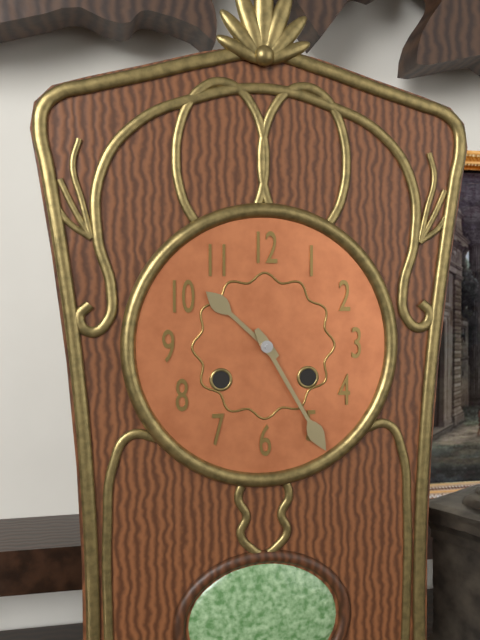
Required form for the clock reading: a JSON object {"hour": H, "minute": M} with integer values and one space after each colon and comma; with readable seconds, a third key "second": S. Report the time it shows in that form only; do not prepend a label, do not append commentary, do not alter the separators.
{"hour": 10, "minute": 25}
